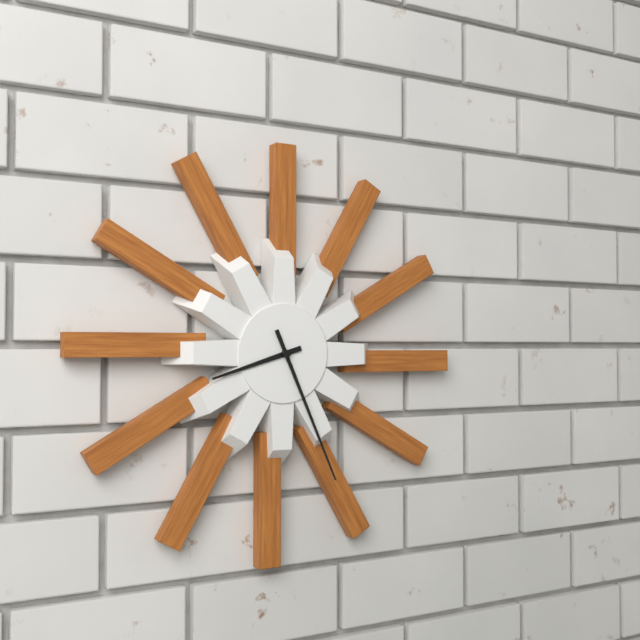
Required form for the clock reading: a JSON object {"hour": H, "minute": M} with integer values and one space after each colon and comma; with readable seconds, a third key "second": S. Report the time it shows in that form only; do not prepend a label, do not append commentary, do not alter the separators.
{"hour": 8, "minute": 26}
